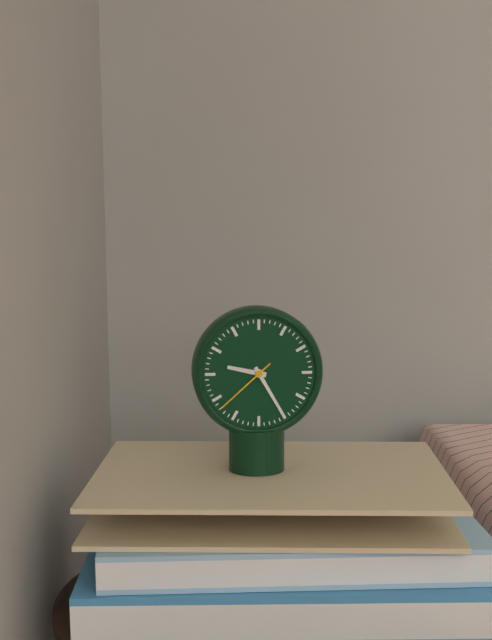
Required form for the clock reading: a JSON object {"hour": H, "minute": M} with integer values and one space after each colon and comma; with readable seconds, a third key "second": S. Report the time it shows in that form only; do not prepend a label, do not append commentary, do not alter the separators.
{"hour": 9, "minute": 25, "second": 38}
